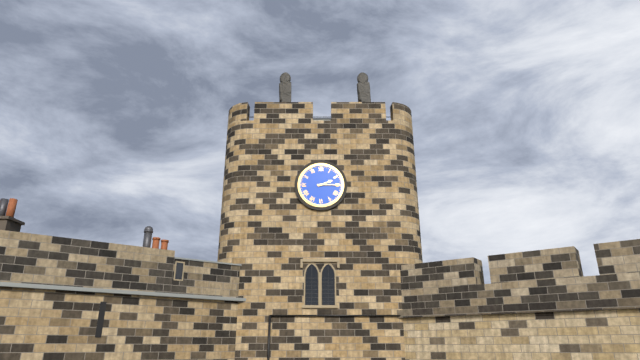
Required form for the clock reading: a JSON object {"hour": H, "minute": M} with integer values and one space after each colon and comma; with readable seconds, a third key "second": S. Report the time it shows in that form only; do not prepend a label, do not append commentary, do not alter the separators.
{"hour": 2, "minute": 15}
